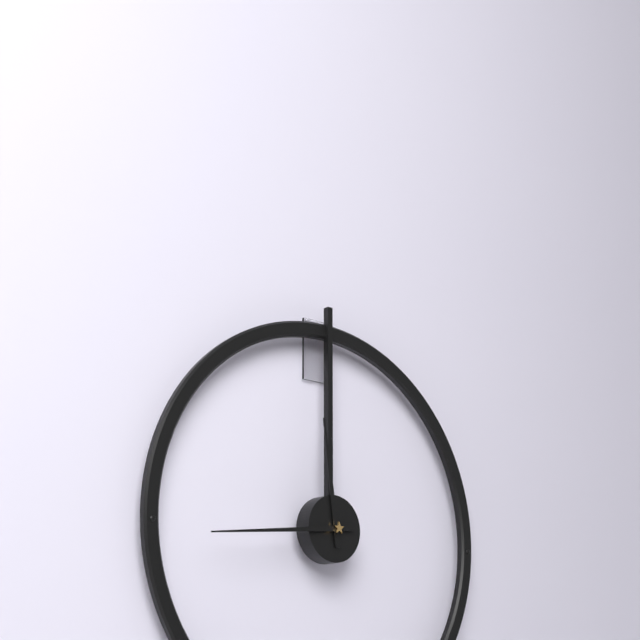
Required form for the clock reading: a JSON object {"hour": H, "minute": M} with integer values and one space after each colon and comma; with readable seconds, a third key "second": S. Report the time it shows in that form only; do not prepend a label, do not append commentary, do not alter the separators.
{"hour": 11, "minute": 44}
